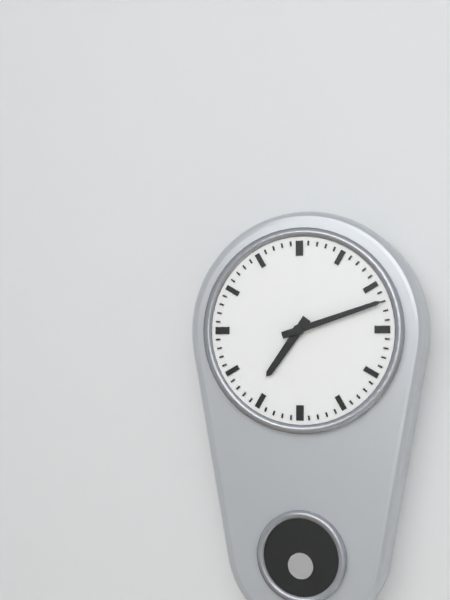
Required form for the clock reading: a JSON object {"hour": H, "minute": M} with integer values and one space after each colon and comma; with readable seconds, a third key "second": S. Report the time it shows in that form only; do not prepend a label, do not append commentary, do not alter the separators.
{"hour": 7, "minute": 12}
